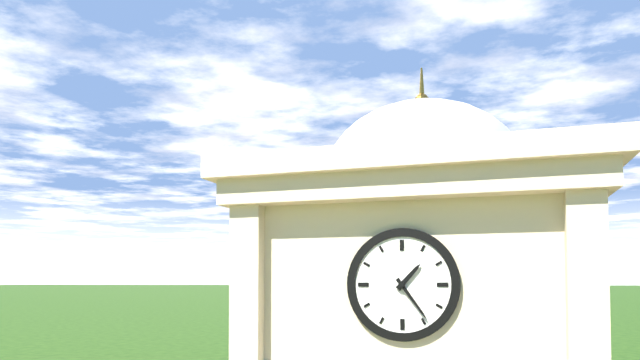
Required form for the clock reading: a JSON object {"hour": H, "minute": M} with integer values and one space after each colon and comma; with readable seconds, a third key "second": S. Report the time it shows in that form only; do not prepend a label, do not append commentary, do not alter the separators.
{"hour": 1, "minute": 24}
